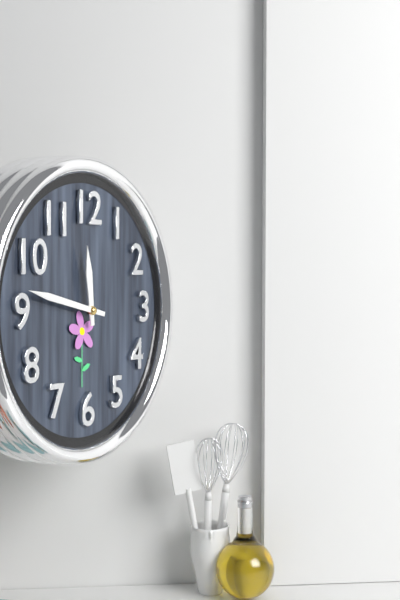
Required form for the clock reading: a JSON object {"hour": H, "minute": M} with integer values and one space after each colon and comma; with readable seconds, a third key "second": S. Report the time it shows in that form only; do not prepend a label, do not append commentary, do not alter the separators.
{"hour": 11, "minute": 47}
